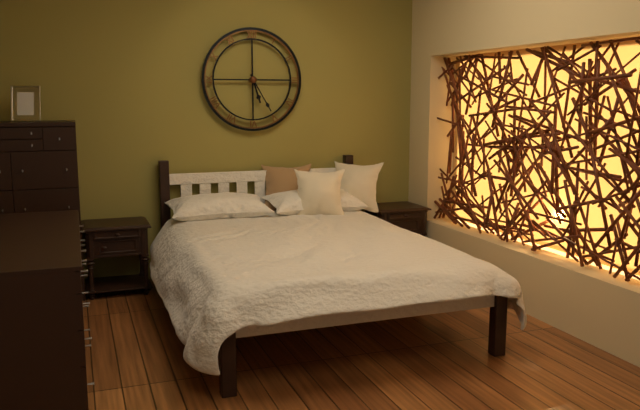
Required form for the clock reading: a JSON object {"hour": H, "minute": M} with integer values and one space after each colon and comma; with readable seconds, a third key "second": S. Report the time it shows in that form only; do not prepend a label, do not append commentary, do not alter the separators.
{"hour": 5, "minute": 25}
